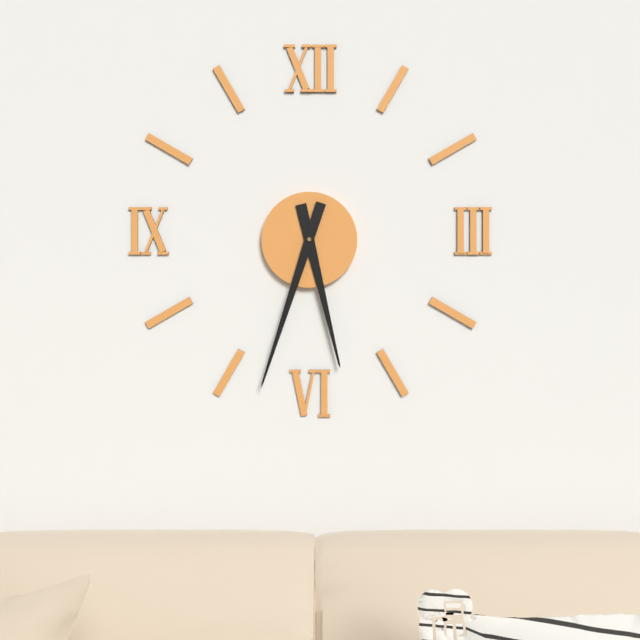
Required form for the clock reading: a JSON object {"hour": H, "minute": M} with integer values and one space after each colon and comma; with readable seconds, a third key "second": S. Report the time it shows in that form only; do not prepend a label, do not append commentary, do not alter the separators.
{"hour": 5, "minute": 33}
